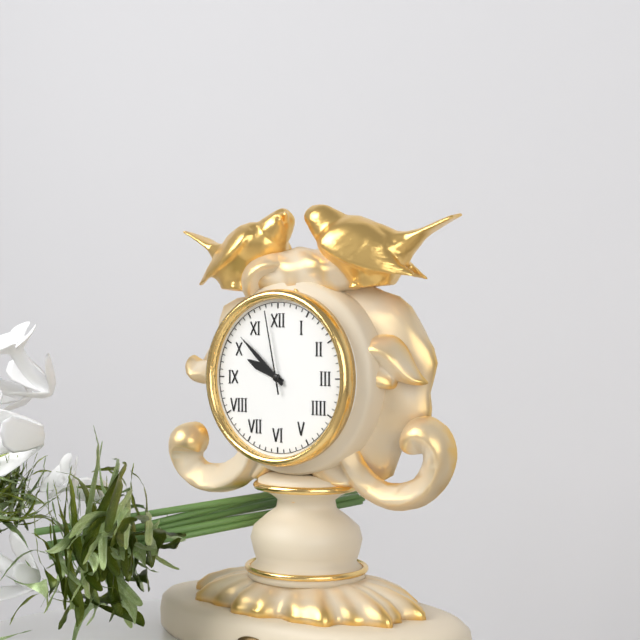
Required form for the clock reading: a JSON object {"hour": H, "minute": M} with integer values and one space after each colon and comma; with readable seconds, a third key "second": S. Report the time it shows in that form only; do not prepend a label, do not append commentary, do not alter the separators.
{"hour": 9, "minute": 52, "second": 58}
